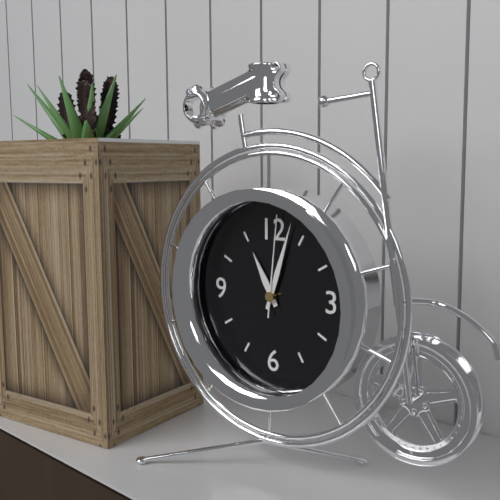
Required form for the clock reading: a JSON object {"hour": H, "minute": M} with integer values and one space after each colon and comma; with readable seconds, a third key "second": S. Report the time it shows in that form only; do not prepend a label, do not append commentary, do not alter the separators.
{"hour": 11, "minute": 3, "second": 1}
